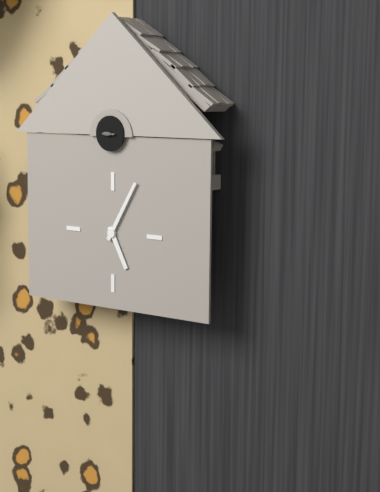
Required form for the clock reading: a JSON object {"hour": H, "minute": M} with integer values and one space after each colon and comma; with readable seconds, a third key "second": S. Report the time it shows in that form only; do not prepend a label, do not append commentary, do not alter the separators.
{"hour": 5, "minute": 5}
